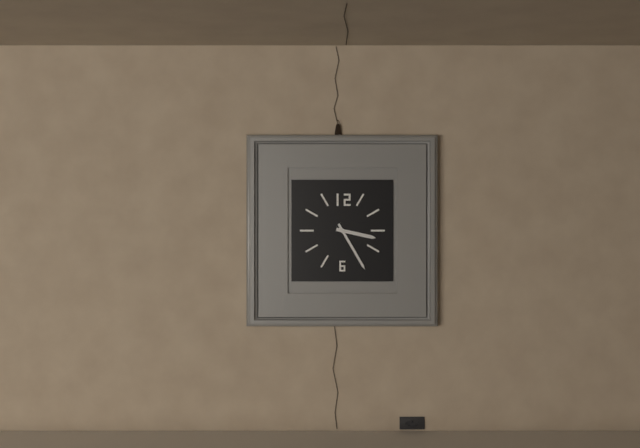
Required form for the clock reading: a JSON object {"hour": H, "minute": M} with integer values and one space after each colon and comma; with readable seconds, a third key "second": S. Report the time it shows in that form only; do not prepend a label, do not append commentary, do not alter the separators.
{"hour": 3, "minute": 25}
